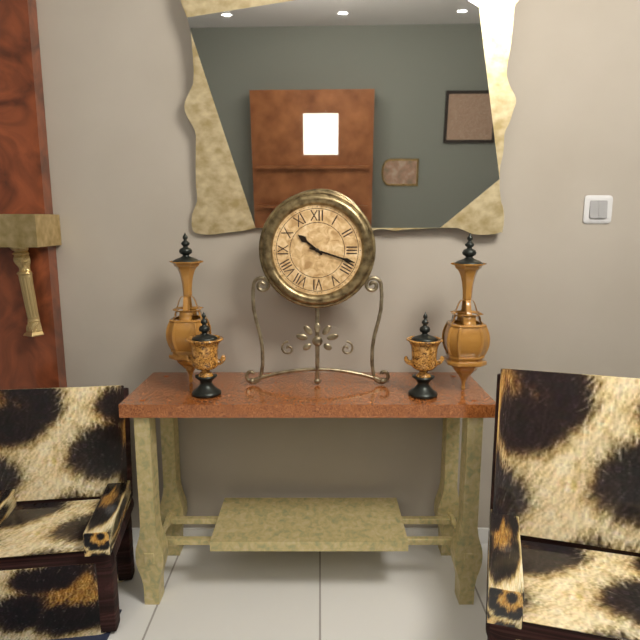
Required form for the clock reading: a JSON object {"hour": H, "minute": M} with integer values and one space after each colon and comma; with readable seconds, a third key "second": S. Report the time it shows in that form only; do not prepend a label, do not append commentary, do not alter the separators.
{"hour": 10, "minute": 18}
